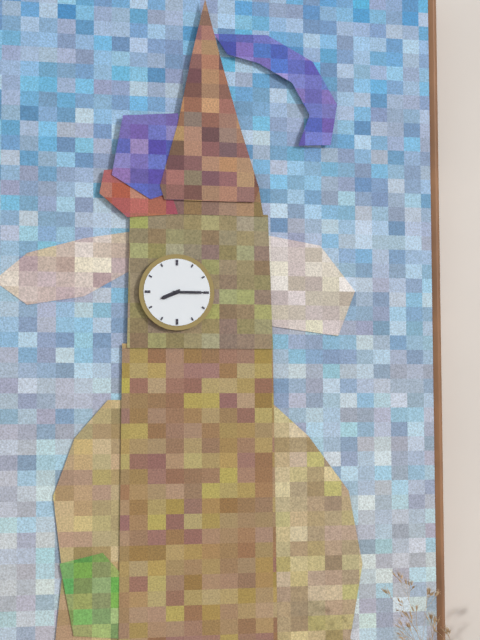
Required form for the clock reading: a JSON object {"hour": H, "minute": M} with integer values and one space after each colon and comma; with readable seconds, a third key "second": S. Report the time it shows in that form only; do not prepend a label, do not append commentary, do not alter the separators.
{"hour": 8, "minute": 15}
